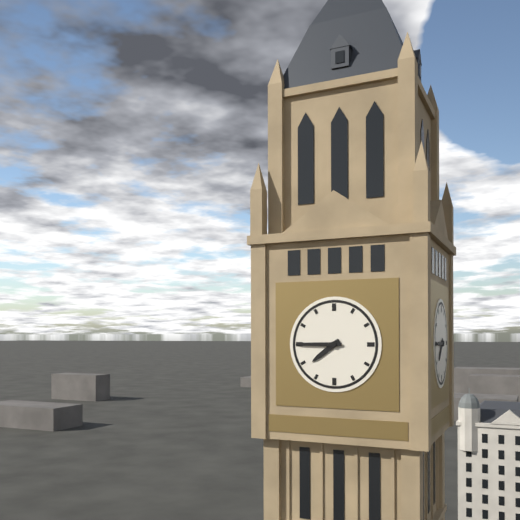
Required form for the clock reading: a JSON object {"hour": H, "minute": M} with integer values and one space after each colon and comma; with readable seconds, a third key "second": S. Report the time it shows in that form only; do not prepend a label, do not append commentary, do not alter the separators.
{"hour": 7, "minute": 45}
